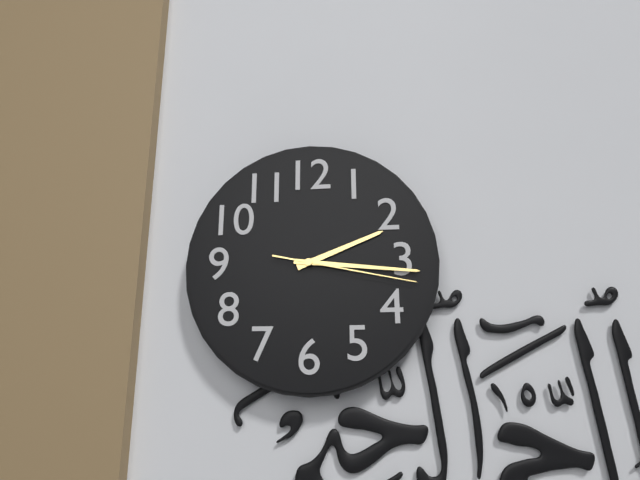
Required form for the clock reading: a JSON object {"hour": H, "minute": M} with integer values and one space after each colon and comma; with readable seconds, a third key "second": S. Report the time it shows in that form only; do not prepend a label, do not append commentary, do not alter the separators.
{"hour": 2, "minute": 16, "second": 17}
